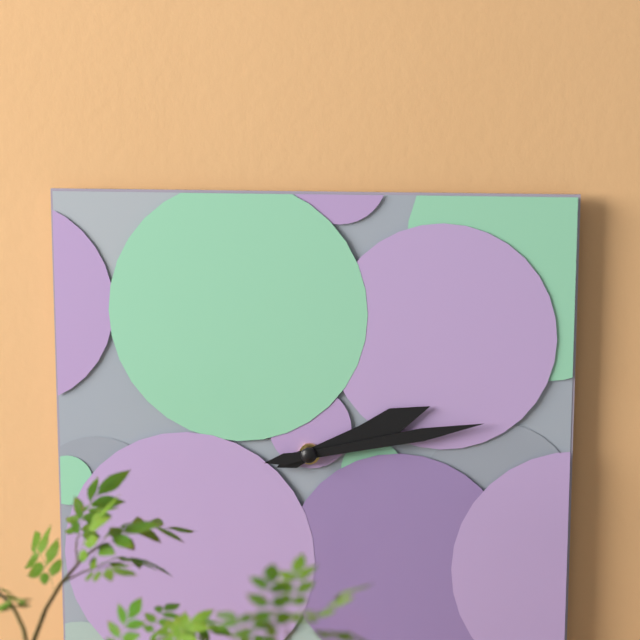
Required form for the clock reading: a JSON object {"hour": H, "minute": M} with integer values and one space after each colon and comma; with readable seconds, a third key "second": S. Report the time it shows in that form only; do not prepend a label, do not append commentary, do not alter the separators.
{"hour": 2, "minute": 13}
